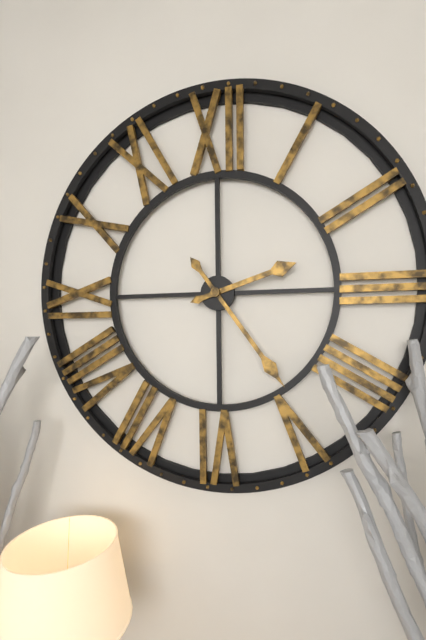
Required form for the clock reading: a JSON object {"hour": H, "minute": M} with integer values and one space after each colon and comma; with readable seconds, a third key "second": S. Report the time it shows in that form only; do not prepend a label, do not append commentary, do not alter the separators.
{"hour": 2, "minute": 24}
